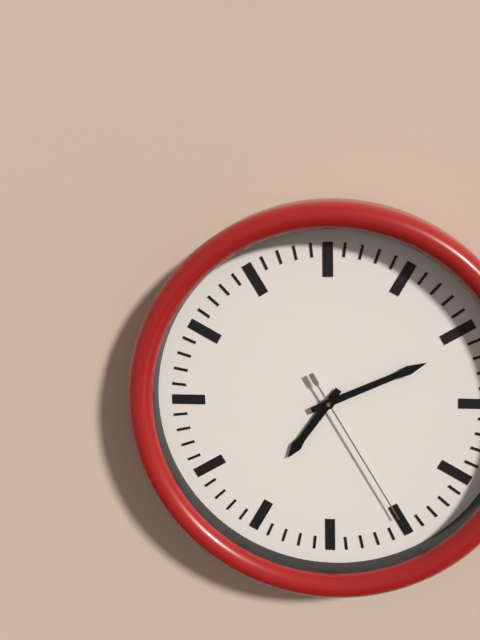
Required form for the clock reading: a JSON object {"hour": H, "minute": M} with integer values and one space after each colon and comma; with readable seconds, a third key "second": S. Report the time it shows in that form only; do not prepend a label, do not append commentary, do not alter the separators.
{"hour": 7, "minute": 11, "second": 25}
